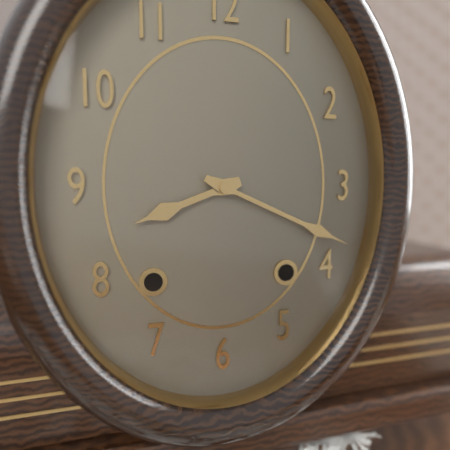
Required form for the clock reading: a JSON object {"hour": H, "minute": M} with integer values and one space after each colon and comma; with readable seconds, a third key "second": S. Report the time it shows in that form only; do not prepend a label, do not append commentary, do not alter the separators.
{"hour": 8, "minute": 19}
